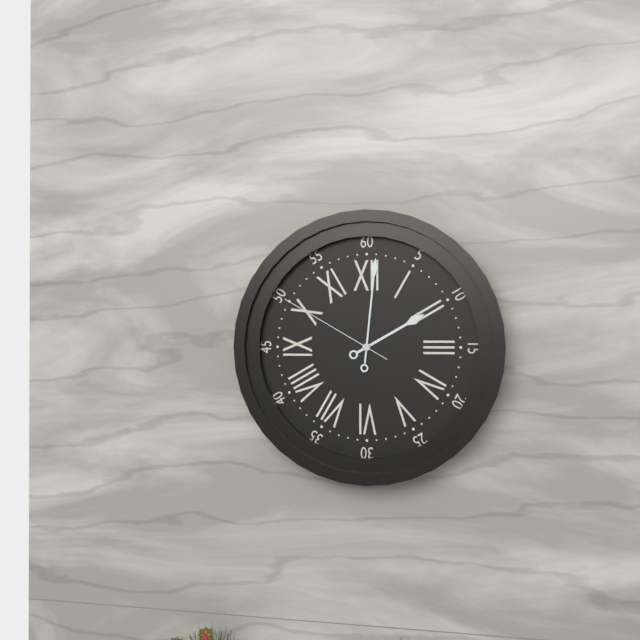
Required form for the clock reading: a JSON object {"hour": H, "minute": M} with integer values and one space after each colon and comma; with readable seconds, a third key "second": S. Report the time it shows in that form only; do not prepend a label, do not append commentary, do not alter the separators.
{"hour": 2, "minute": 1, "second": 50}
